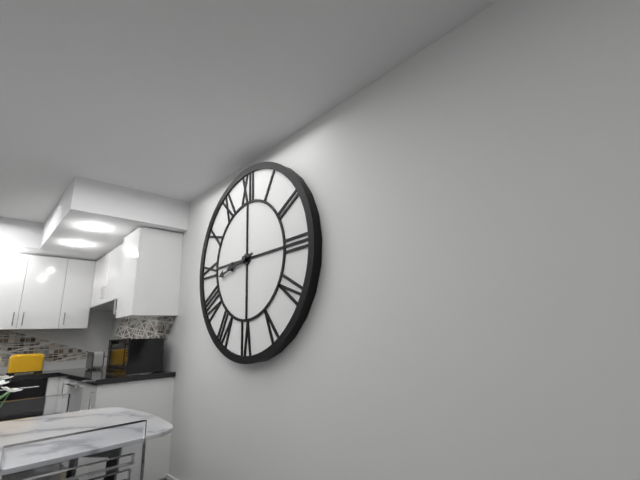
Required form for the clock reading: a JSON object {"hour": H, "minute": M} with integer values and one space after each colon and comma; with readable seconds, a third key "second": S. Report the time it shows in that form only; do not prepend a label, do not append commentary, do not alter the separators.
{"hour": 8, "minute": 43}
